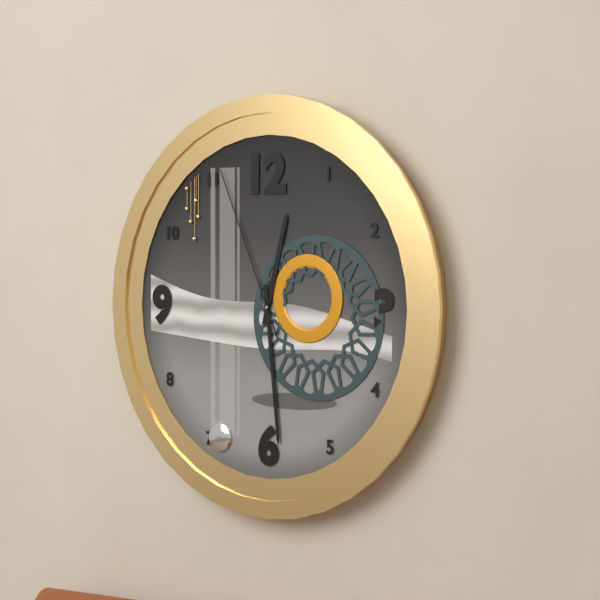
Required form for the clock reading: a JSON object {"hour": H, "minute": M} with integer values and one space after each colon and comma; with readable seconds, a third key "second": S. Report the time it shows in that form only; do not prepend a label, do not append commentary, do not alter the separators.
{"hour": 12, "minute": 29, "second": 56}
